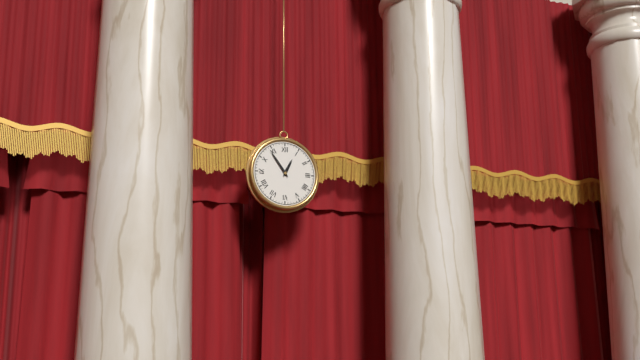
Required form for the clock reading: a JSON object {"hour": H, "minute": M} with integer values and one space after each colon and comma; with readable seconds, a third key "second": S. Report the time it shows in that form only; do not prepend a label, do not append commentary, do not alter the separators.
{"hour": 12, "minute": 54}
